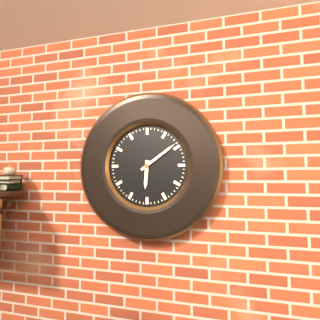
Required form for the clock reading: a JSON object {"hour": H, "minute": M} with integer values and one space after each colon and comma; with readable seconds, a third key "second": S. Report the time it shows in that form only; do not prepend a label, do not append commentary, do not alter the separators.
{"hour": 6, "minute": 9}
